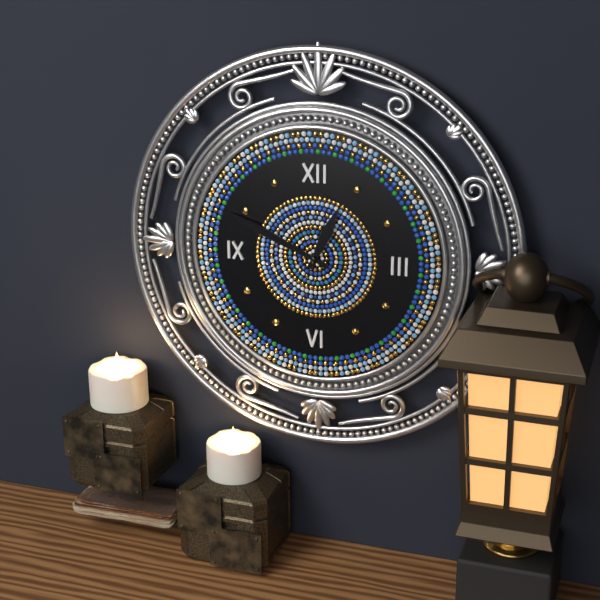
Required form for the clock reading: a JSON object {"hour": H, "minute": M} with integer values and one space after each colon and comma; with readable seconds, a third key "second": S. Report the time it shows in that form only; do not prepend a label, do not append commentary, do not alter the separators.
{"hour": 12, "minute": 49}
